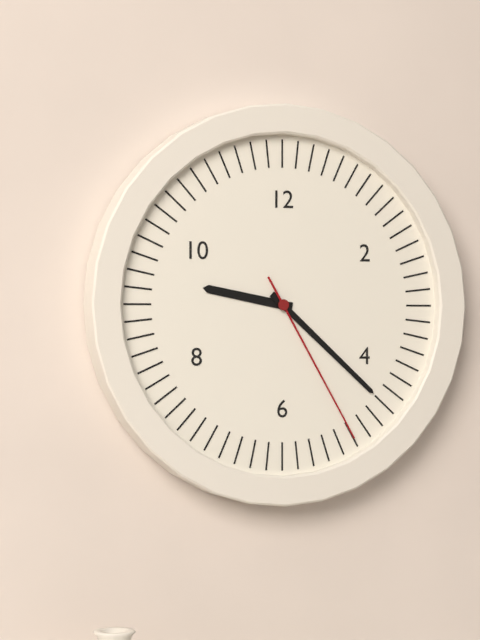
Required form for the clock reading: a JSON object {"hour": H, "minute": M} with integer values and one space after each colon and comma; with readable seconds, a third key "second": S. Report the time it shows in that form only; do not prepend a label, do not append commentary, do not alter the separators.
{"hour": 9, "minute": 22, "second": 25}
